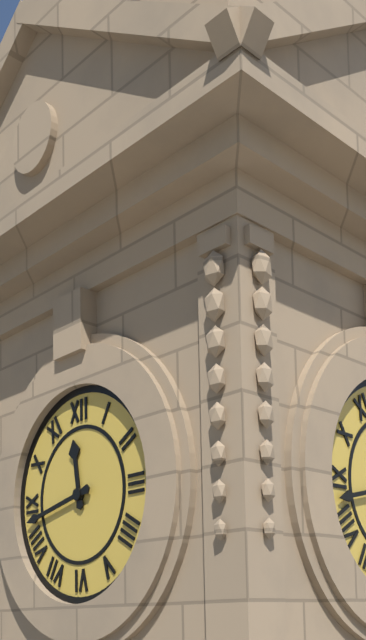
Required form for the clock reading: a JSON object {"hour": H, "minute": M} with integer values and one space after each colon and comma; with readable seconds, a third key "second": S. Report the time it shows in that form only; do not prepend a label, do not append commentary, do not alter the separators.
{"hour": 11, "minute": 43}
